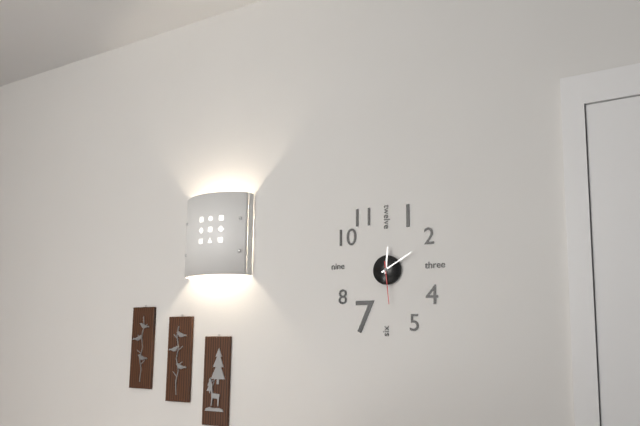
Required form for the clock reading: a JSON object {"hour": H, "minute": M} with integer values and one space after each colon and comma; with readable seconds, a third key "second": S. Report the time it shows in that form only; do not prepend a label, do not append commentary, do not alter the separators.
{"hour": 12, "minute": 10}
